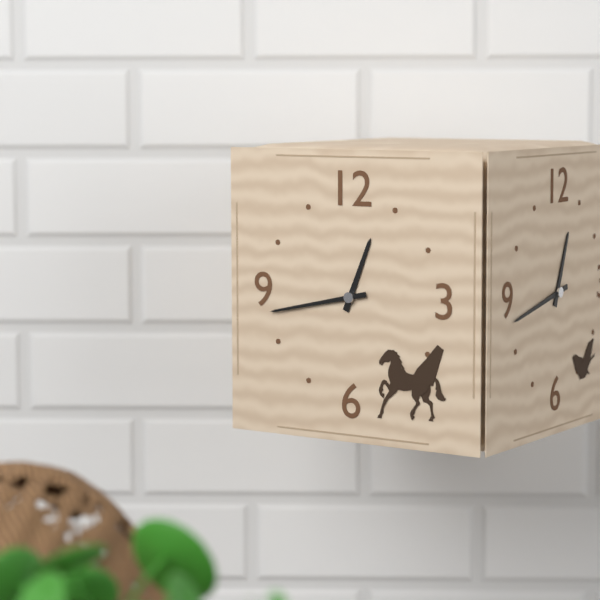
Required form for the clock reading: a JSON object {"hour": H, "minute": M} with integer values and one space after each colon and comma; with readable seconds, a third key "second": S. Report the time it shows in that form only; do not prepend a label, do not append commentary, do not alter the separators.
{"hour": 12, "minute": 43}
